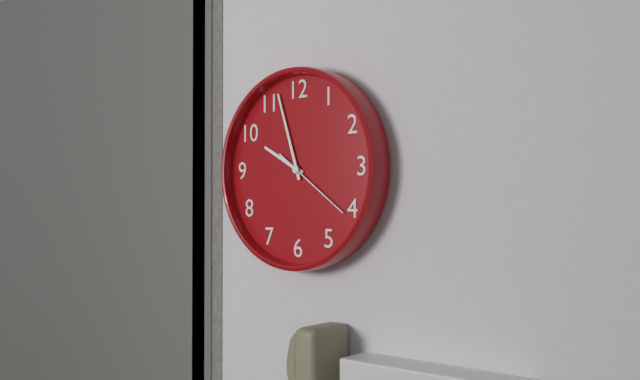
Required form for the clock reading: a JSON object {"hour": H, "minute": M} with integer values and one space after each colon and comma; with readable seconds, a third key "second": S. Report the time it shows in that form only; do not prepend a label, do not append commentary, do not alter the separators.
{"hour": 9, "minute": 57, "second": 21}
